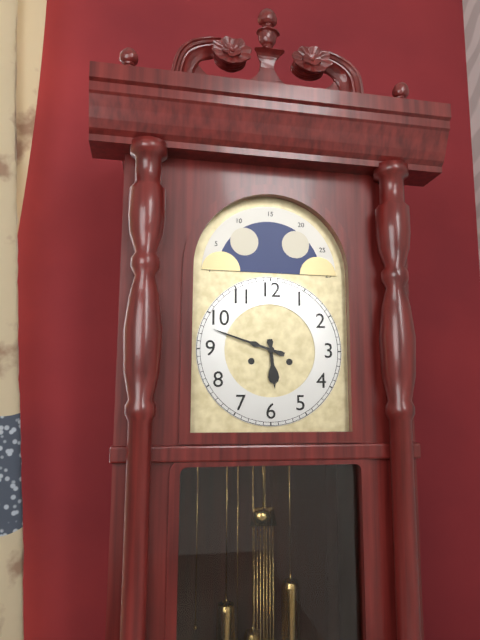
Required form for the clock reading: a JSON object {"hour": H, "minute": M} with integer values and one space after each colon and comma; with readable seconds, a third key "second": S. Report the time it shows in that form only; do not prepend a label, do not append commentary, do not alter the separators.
{"hour": 5, "minute": 48}
